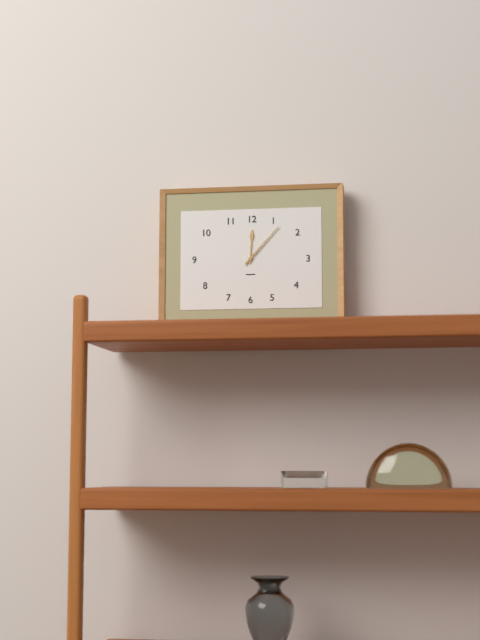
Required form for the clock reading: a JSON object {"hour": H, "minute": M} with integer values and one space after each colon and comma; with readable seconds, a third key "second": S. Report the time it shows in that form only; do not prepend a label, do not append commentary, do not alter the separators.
{"hour": 12, "minute": 7}
